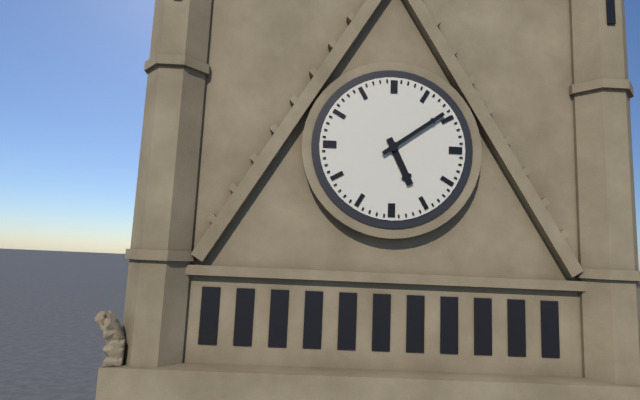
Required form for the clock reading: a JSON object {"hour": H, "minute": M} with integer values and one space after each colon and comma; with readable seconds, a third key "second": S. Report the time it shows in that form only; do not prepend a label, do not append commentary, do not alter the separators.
{"hour": 5, "minute": 9}
